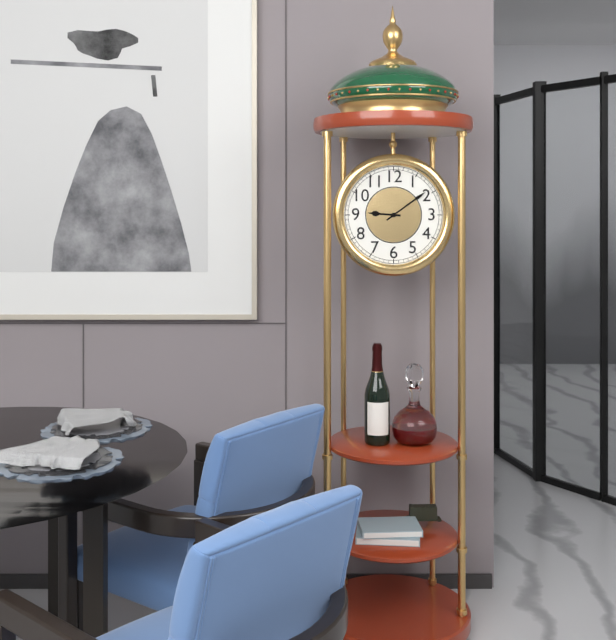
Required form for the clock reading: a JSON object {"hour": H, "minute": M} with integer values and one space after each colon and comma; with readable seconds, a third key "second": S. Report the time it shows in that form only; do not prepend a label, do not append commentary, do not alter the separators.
{"hour": 9, "minute": 9}
